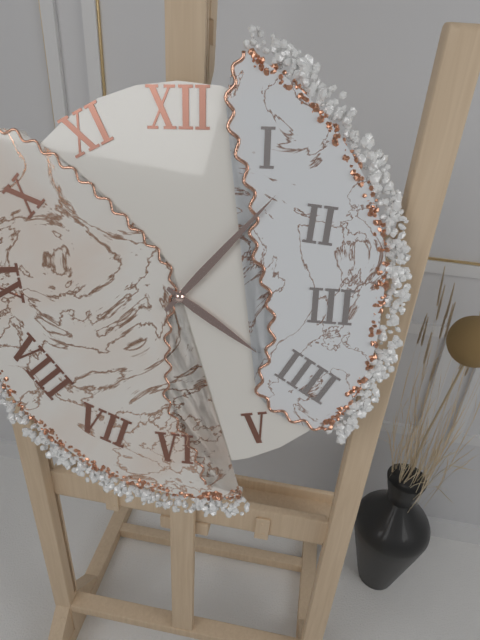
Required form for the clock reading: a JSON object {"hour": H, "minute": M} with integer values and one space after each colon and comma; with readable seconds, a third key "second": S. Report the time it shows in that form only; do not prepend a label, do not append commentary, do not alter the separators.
{"hour": 4, "minute": 7}
